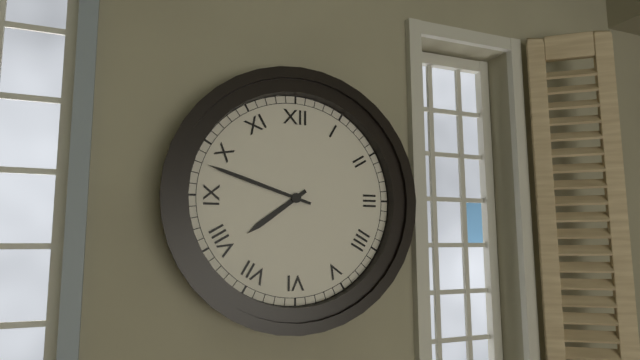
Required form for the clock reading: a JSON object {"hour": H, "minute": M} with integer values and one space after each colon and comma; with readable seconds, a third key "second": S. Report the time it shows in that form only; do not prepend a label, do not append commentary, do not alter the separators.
{"hour": 7, "minute": 48}
